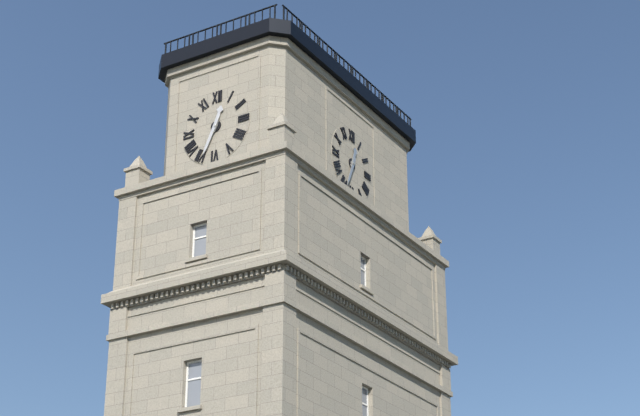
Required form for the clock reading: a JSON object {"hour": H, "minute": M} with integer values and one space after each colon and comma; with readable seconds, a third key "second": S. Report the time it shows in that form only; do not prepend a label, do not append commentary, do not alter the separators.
{"hour": 12, "minute": 34}
